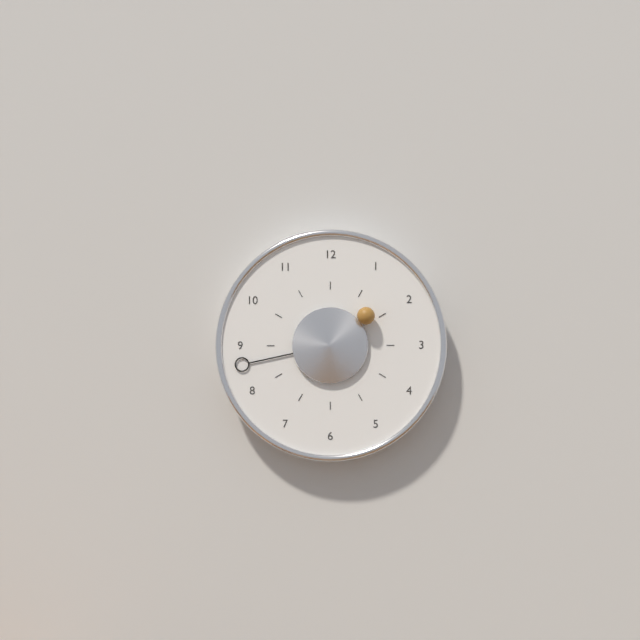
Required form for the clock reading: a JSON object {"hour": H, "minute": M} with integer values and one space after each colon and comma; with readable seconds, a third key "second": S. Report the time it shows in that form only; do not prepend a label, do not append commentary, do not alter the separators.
{"hour": 1, "minute": 43}
